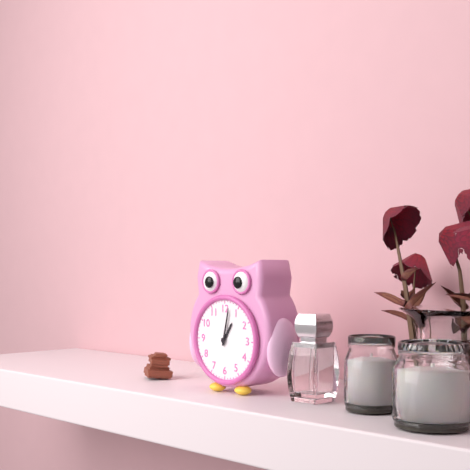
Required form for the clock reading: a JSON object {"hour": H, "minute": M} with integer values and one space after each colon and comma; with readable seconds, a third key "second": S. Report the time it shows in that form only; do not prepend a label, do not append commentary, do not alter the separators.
{"hour": 1, "minute": 2}
